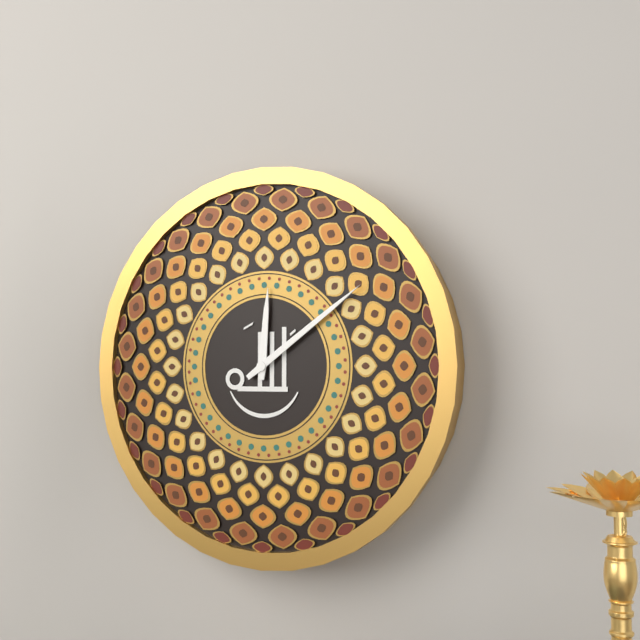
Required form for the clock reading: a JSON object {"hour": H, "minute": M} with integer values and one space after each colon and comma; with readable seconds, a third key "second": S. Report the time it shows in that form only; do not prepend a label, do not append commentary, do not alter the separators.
{"hour": 12, "minute": 9}
